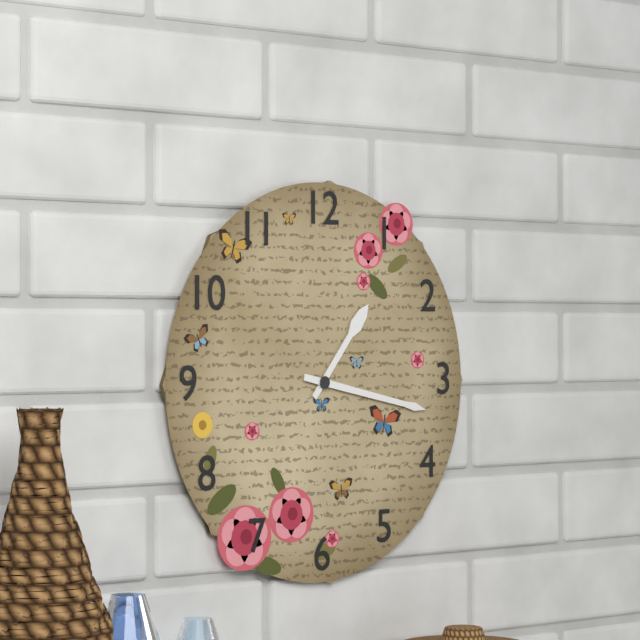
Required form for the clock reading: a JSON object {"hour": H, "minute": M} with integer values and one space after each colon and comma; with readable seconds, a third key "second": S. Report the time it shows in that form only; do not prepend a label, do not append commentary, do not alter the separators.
{"hour": 1, "minute": 17}
